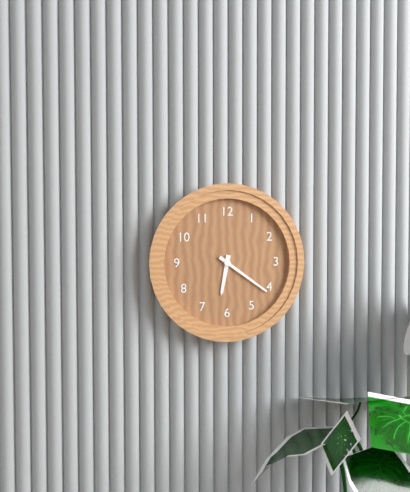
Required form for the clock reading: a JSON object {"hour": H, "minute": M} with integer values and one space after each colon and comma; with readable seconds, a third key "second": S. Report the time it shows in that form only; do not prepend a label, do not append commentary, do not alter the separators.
{"hour": 6, "minute": 21}
